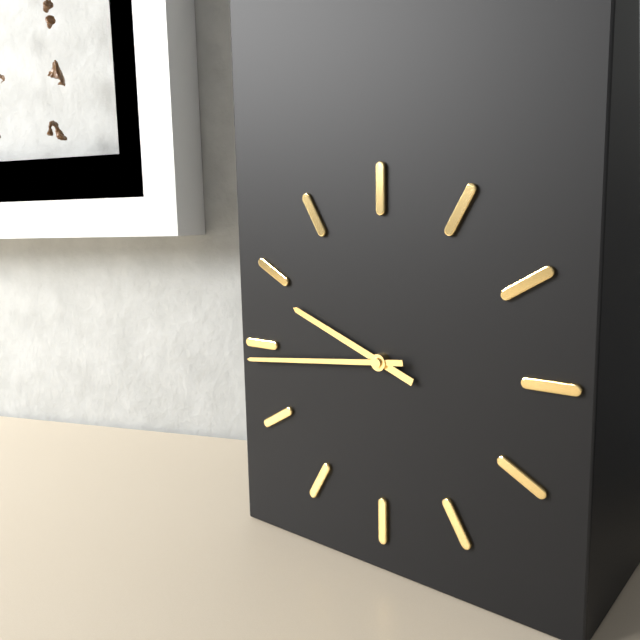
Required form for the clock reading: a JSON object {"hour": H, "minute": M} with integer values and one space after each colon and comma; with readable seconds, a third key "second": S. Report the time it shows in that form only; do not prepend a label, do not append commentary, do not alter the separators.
{"hour": 9, "minute": 44}
